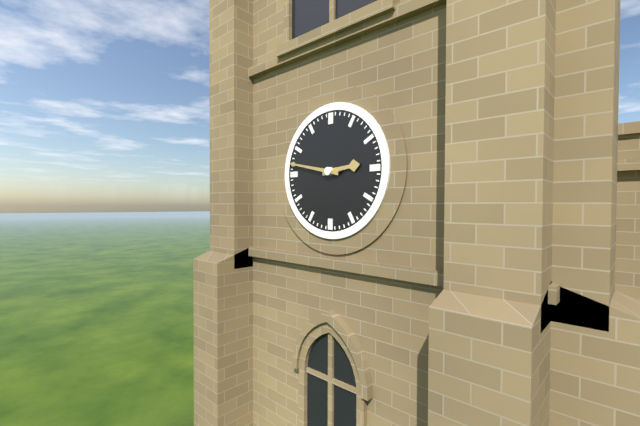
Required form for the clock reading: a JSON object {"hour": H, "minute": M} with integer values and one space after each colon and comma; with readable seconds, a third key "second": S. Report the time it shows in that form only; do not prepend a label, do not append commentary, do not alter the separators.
{"hour": 2, "minute": 47}
